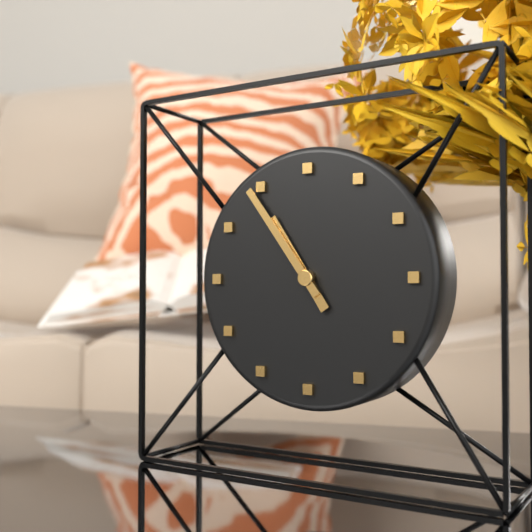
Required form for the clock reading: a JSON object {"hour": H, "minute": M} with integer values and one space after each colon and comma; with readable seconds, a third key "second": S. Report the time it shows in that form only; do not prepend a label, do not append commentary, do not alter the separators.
{"hour": 10, "minute": 54}
